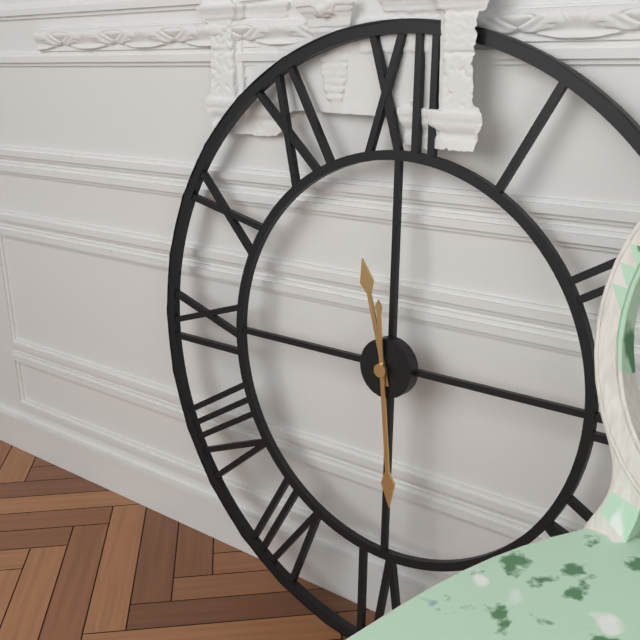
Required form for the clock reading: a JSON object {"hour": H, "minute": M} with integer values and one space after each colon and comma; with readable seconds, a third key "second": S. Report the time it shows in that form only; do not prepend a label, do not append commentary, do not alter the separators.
{"hour": 11, "minute": 29}
